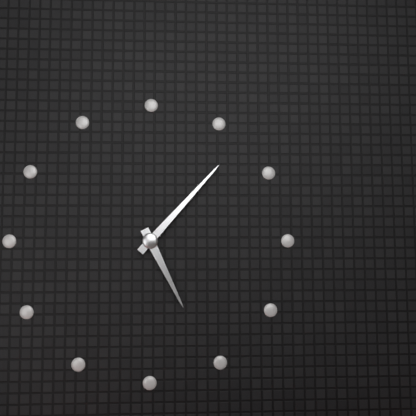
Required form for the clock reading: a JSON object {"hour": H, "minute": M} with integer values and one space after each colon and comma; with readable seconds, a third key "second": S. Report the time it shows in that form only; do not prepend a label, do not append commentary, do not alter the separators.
{"hour": 5, "minute": 7}
